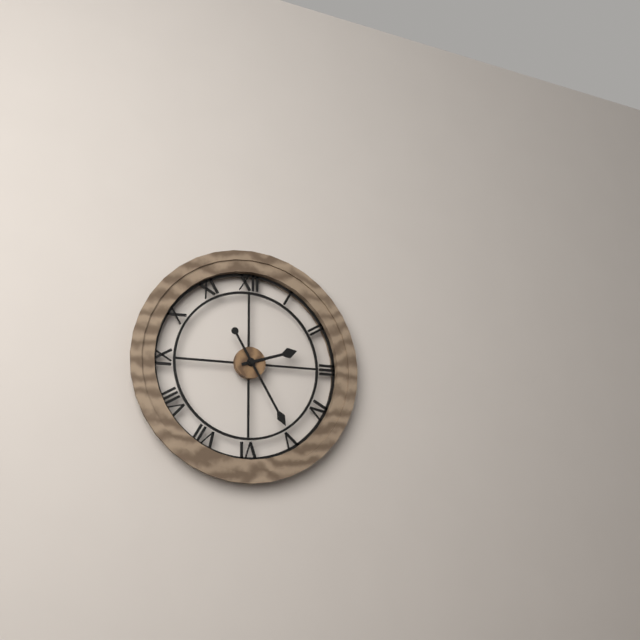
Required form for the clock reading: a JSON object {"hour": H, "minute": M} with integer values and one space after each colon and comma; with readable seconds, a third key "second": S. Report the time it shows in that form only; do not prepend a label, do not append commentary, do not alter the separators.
{"hour": 2, "minute": 25}
